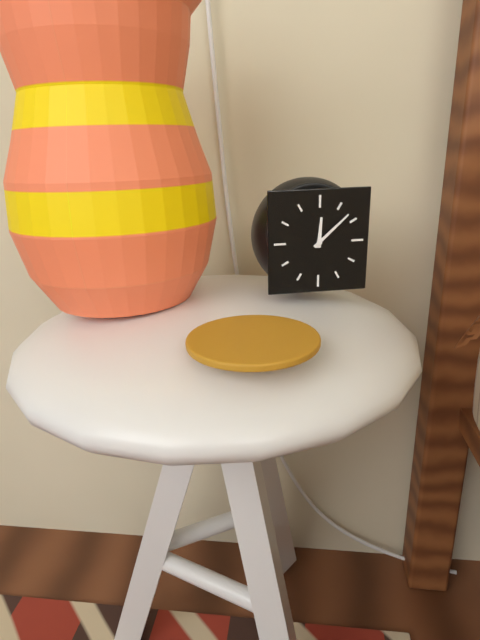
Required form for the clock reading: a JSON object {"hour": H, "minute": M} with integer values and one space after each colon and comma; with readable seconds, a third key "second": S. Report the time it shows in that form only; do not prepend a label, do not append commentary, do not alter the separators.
{"hour": 12, "minute": 8}
